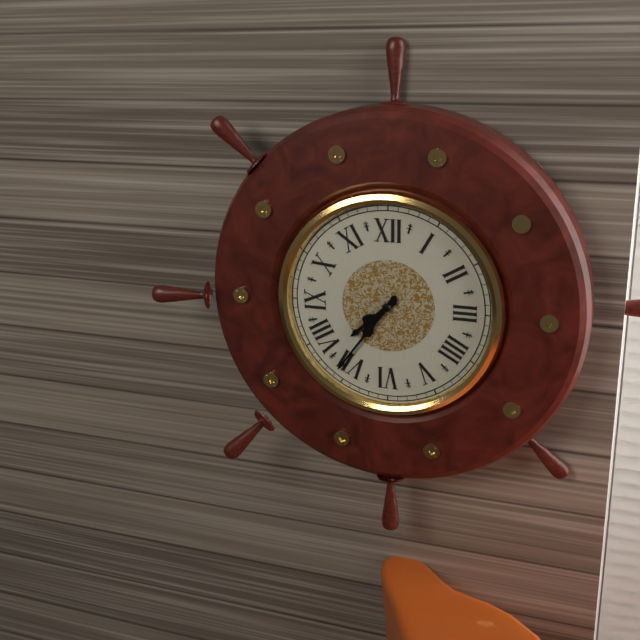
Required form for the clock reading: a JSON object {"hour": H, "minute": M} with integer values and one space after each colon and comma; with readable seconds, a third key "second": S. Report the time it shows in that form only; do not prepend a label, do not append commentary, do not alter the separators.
{"hour": 7, "minute": 36}
